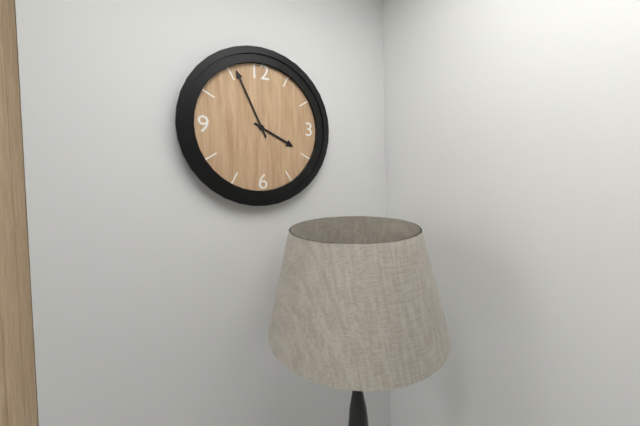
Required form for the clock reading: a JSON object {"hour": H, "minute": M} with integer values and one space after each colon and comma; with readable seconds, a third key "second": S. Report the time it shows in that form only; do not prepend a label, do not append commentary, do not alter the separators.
{"hour": 3, "minute": 56}
